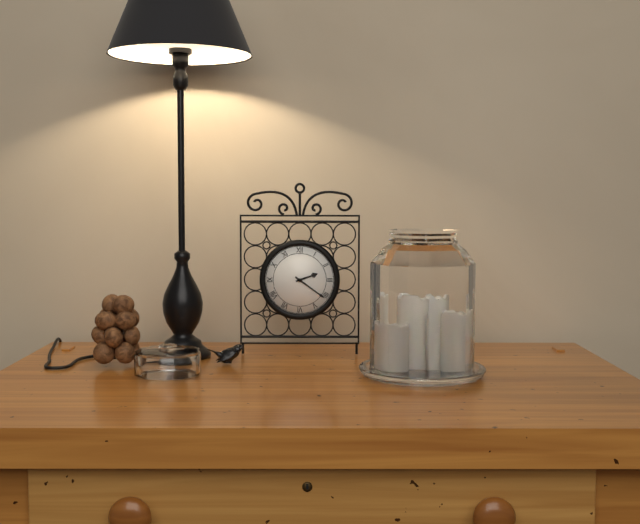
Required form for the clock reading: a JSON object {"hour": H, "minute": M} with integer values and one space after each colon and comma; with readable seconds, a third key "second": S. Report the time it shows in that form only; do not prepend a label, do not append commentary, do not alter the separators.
{"hour": 2, "minute": 21}
